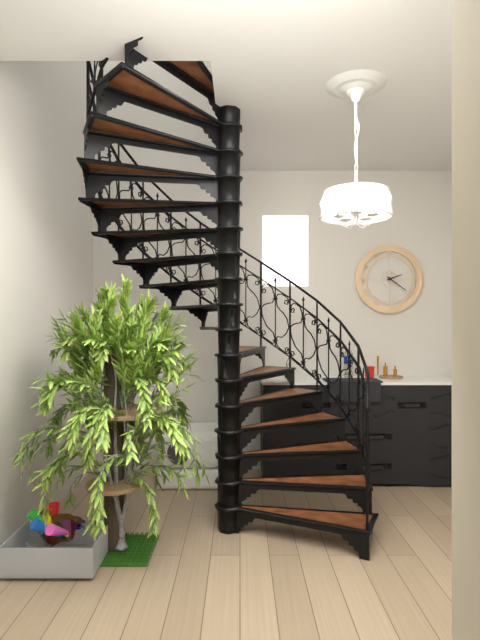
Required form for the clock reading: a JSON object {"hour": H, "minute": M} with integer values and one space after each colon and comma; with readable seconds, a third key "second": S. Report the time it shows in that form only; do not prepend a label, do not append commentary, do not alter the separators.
{"hour": 2, "minute": 21}
